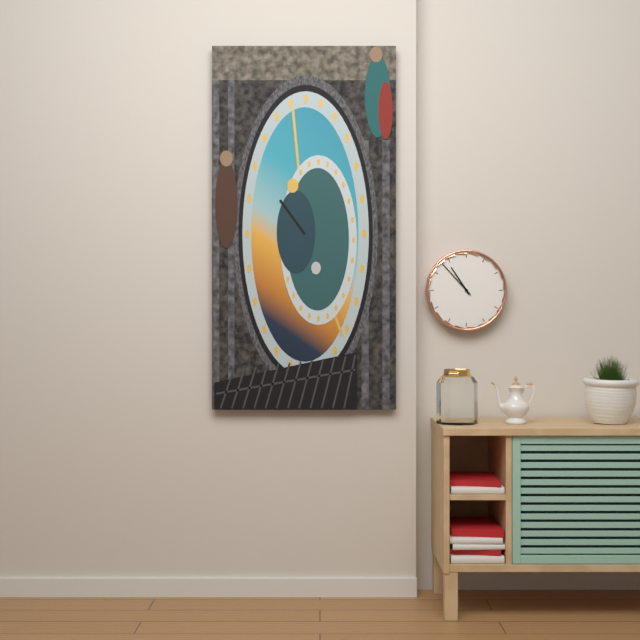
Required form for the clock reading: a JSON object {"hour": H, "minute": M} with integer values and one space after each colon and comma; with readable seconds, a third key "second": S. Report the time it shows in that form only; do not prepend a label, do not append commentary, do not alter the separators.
{"hour": 10, "minute": 53}
